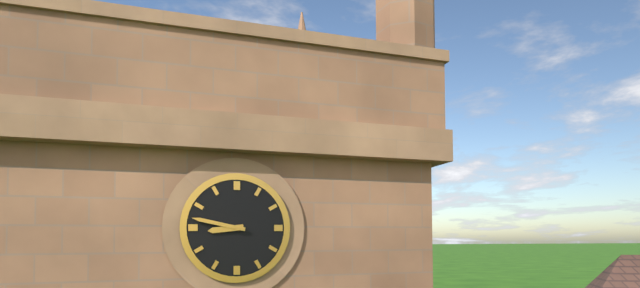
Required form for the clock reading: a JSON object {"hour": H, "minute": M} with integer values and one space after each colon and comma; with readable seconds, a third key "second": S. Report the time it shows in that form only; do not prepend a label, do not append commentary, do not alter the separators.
{"hour": 8, "minute": 47}
